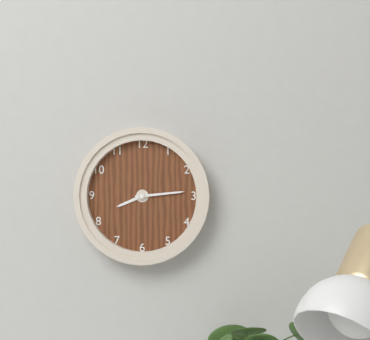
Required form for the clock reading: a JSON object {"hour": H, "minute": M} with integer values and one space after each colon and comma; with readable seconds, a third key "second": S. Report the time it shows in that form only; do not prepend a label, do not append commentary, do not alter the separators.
{"hour": 8, "minute": 14}
